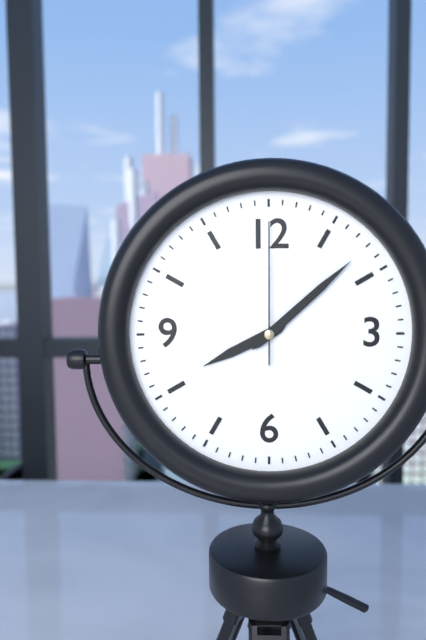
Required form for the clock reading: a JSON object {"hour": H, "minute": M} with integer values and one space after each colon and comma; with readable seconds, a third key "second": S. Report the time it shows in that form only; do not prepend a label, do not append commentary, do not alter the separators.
{"hour": 8, "minute": 8, "second": 0}
